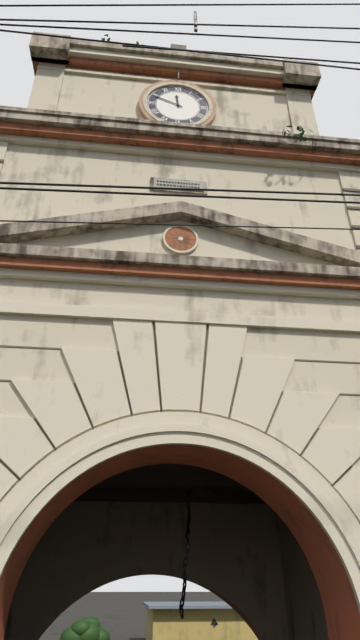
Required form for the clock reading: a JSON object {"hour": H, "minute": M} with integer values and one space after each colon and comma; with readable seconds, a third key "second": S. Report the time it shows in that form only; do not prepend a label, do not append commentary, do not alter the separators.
{"hour": 11, "minute": 49}
